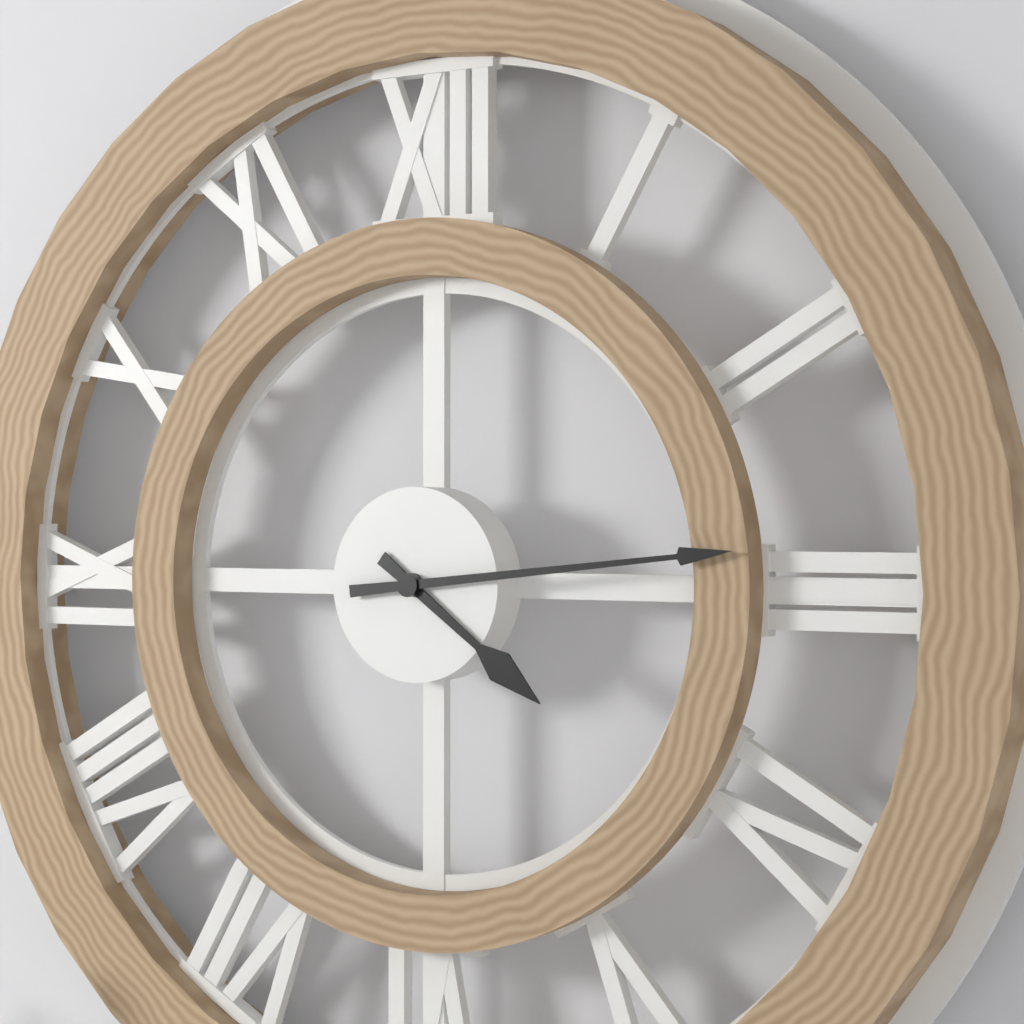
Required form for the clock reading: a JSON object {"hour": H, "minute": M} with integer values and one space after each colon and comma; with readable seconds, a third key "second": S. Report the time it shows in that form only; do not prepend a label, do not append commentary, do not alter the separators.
{"hour": 4, "minute": 14}
